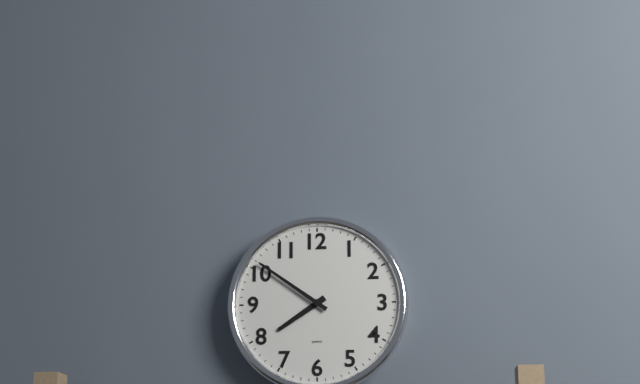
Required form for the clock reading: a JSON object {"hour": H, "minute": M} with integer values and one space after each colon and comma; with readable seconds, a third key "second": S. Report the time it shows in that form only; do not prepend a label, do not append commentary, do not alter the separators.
{"hour": 7, "minute": 51}
